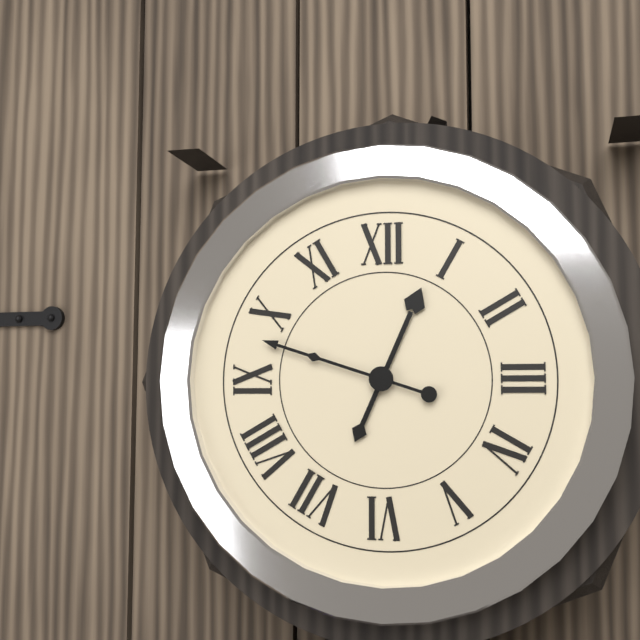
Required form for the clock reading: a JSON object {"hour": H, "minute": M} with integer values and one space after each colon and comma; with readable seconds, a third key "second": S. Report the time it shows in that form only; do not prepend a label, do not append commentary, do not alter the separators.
{"hour": 12, "minute": 48}
